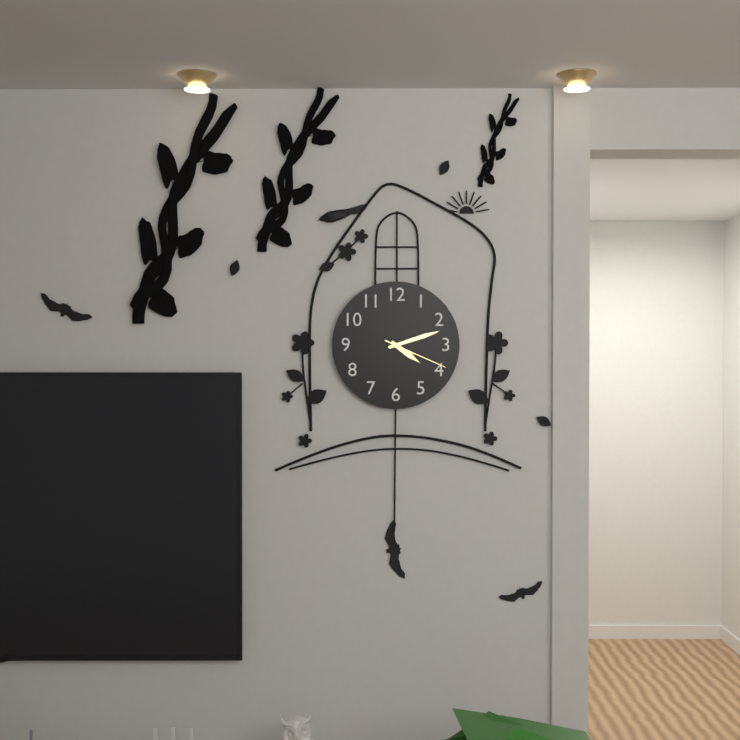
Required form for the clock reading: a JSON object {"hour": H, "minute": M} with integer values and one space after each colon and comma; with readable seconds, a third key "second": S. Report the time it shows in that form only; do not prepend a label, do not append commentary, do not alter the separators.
{"hour": 4, "minute": 12, "second": 19}
